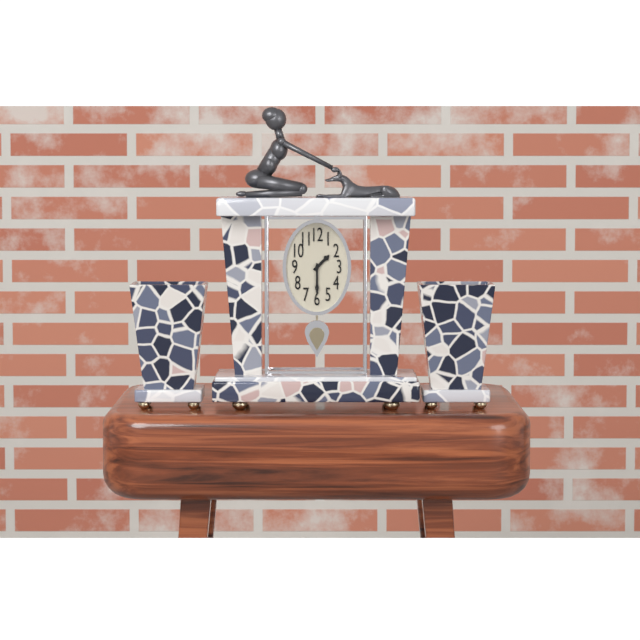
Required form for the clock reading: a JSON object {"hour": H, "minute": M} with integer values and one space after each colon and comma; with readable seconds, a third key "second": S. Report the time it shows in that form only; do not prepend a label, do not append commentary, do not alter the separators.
{"hour": 1, "minute": 30}
